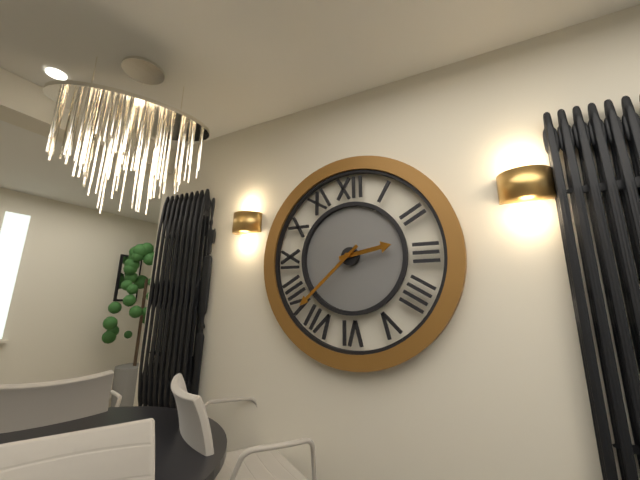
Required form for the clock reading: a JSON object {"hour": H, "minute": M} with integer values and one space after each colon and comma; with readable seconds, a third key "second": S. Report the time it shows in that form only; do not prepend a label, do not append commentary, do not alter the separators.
{"hour": 2, "minute": 38}
